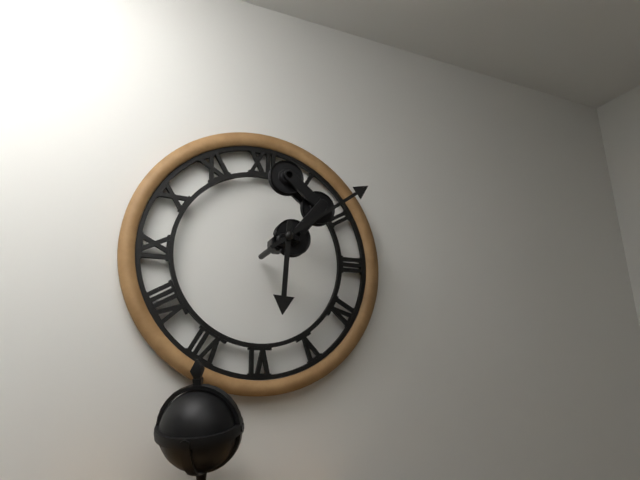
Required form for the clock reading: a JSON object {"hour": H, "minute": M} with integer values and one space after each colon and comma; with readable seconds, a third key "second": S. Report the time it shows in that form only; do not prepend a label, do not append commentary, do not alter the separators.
{"hour": 6, "minute": 9}
